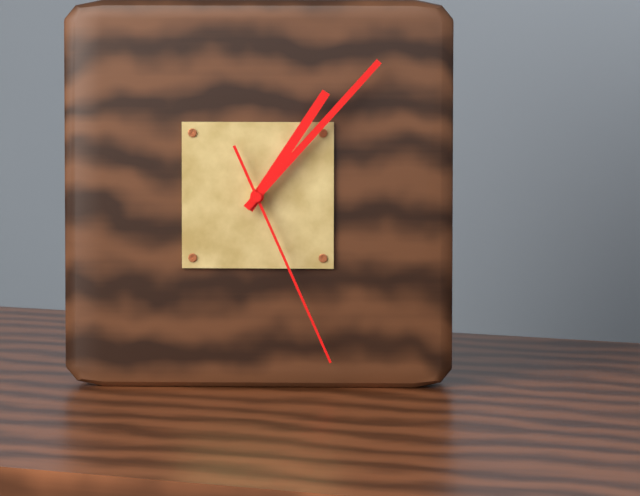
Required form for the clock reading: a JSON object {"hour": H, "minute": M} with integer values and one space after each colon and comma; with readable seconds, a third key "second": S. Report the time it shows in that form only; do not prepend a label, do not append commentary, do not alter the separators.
{"hour": 1, "minute": 7, "second": 26}
